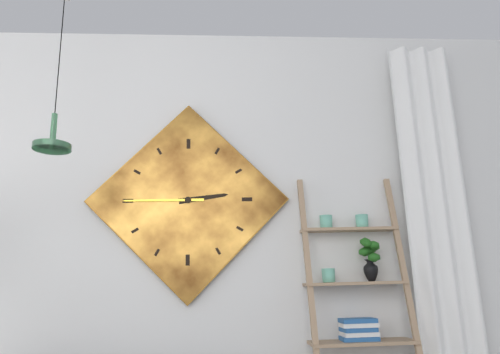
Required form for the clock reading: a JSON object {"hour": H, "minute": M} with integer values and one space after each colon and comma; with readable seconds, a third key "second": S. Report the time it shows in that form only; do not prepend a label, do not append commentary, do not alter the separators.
{"hour": 2, "minute": 45}
